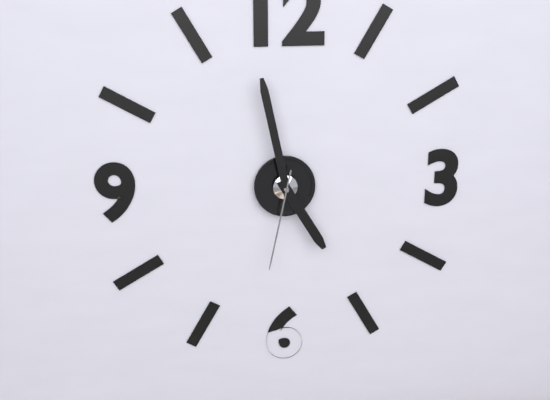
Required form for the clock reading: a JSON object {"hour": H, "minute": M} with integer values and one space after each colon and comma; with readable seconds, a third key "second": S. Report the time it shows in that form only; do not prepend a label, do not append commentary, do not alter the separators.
{"hour": 4, "minute": 58, "second": 32}
